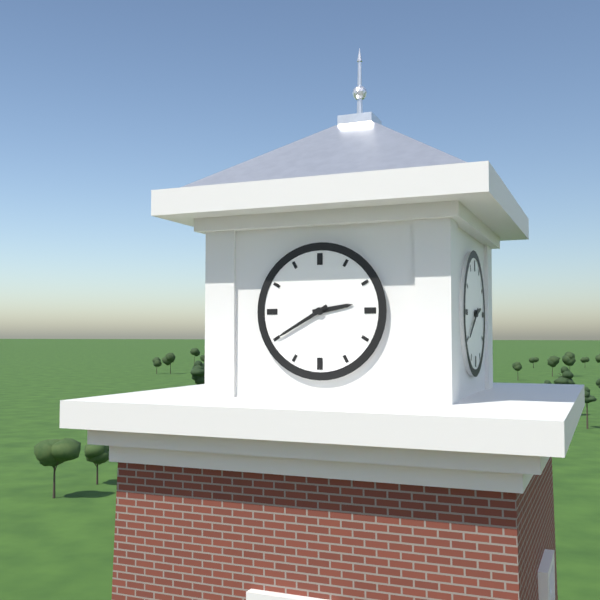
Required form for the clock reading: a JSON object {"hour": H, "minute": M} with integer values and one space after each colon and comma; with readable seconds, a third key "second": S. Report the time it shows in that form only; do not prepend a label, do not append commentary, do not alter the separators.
{"hour": 2, "minute": 40}
